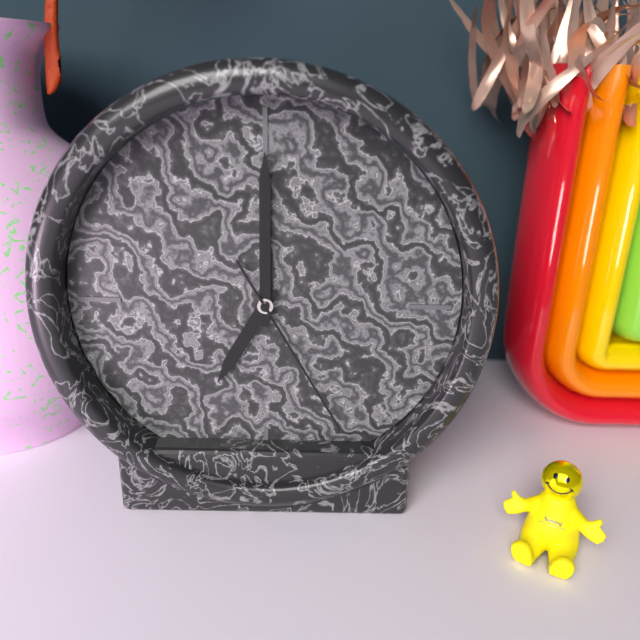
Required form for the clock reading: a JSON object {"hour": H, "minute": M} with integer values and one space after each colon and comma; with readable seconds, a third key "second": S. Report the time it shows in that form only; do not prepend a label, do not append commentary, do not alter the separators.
{"hour": 7, "minute": 0, "second": 25}
